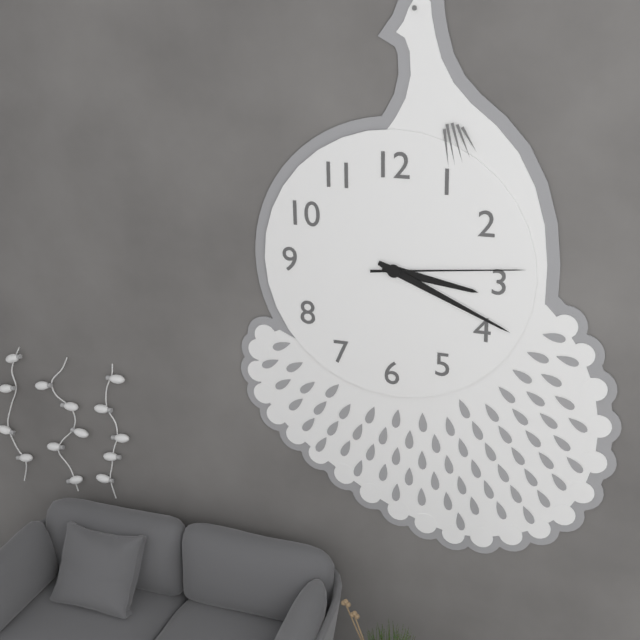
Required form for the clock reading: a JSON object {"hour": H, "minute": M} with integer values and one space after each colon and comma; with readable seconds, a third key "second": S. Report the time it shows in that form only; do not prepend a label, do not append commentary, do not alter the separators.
{"hour": 3, "minute": 19, "second": 14}
